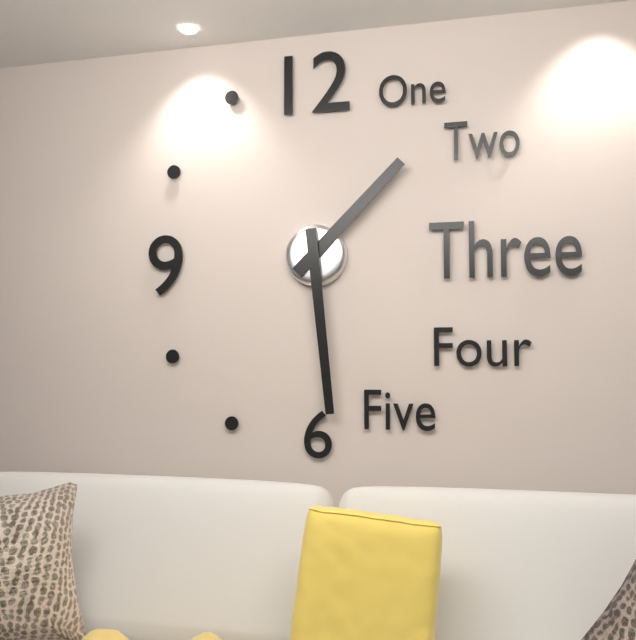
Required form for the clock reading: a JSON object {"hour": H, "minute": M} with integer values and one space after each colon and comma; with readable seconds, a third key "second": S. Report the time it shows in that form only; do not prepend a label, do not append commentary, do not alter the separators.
{"hour": 1, "minute": 29}
